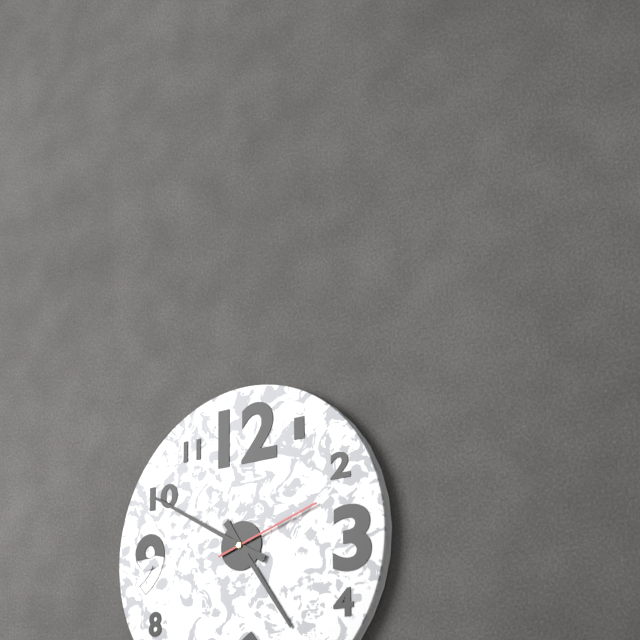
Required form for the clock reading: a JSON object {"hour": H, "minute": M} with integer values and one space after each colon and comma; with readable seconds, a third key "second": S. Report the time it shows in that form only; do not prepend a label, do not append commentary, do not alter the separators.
{"hour": 4, "minute": 50, "second": 12}
